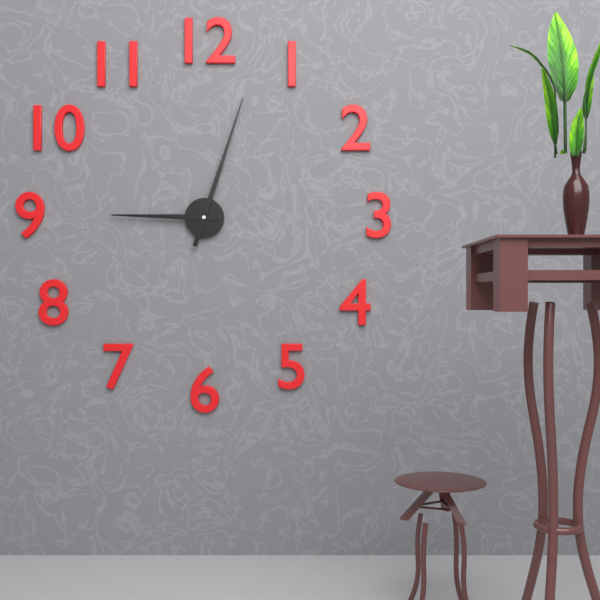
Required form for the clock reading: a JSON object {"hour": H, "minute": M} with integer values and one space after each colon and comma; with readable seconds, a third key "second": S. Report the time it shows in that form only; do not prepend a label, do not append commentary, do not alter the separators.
{"hour": 9, "minute": 3}
